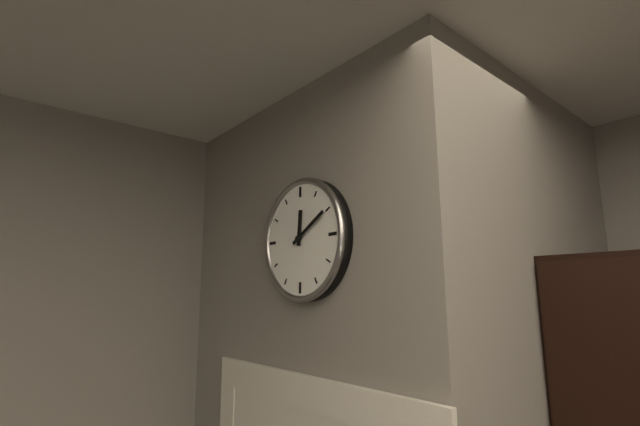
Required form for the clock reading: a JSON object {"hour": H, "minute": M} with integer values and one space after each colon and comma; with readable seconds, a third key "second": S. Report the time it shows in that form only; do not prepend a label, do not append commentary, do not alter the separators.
{"hour": 12, "minute": 10}
